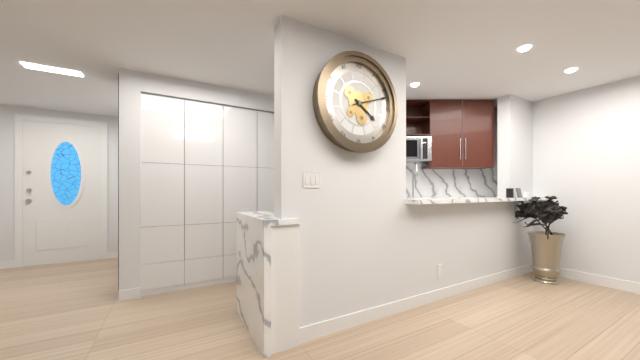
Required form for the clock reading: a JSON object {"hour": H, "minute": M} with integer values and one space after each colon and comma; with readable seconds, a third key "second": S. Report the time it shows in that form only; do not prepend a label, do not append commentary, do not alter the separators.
{"hour": 4, "minute": 12}
